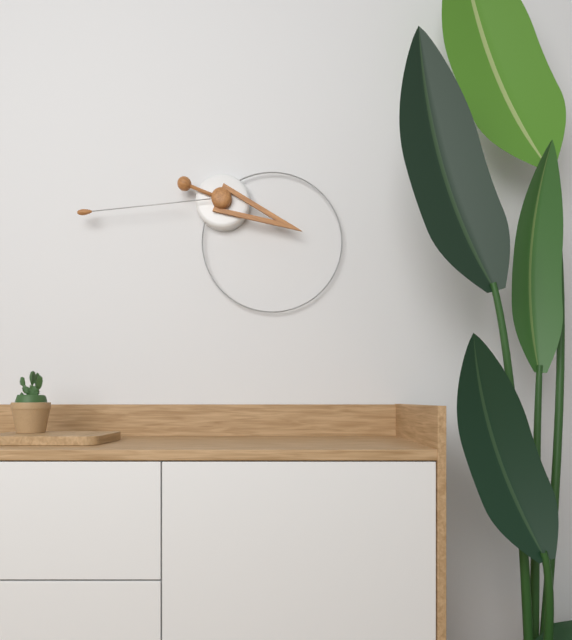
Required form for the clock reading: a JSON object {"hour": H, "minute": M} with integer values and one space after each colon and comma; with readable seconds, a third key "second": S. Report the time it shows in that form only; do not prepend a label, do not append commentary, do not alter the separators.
{"hour": 3, "minute": 44}
